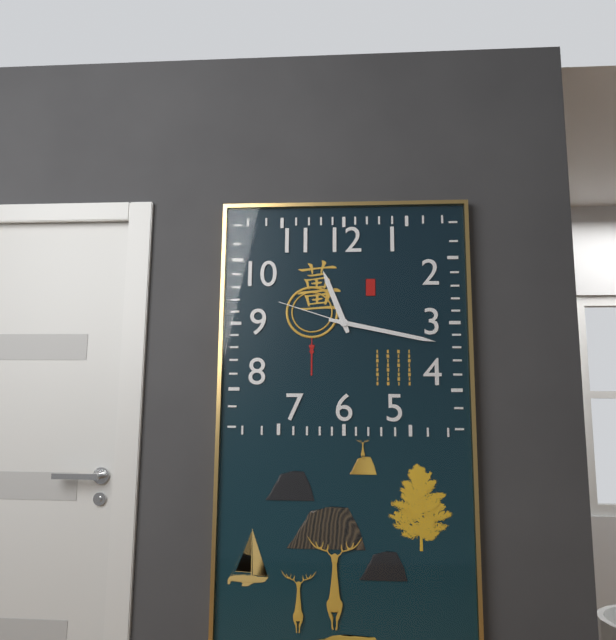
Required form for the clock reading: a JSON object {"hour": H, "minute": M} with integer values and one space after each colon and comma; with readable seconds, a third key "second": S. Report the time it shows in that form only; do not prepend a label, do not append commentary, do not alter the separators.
{"hour": 11, "minute": 17, "second": 48}
